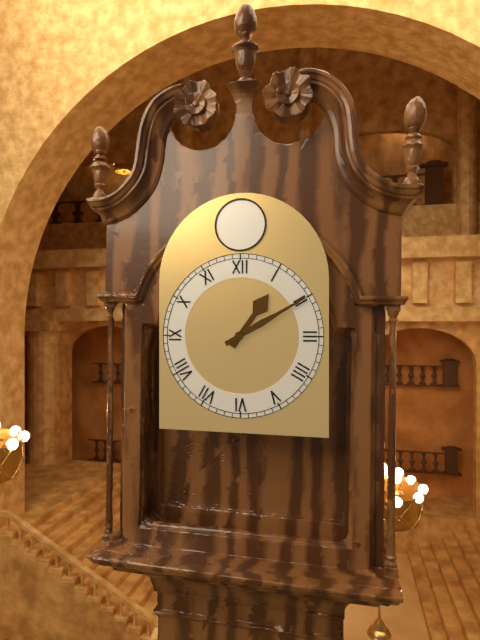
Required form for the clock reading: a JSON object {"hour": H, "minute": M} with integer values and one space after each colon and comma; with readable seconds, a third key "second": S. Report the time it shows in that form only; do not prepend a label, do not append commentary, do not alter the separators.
{"hour": 1, "minute": 10}
